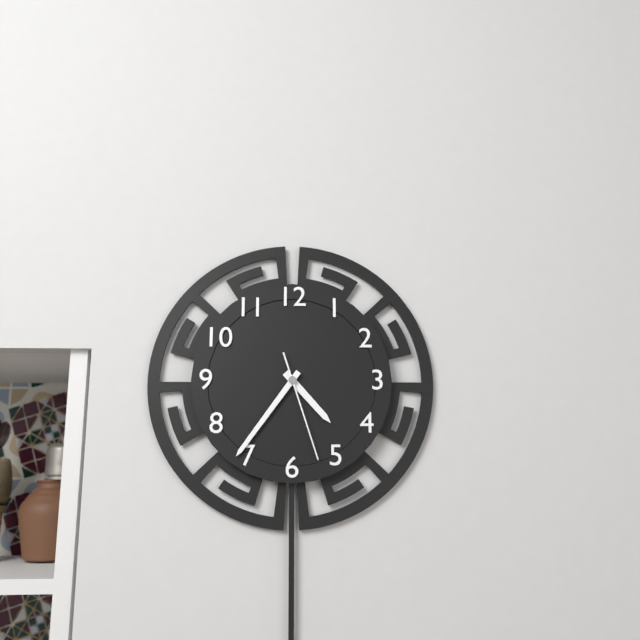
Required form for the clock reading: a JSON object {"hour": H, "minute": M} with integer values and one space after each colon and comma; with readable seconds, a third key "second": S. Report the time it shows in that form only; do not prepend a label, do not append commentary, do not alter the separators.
{"hour": 4, "minute": 36, "second": 27}
